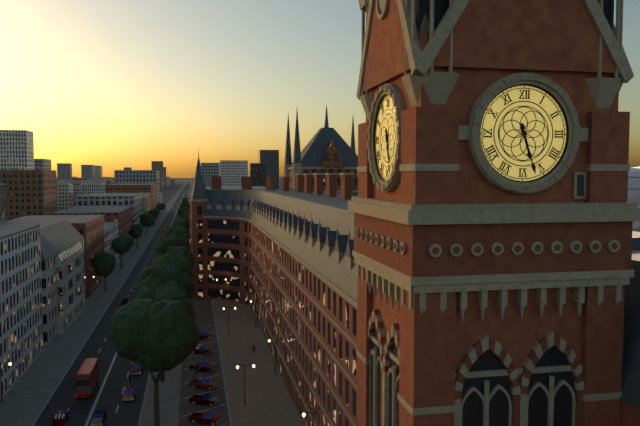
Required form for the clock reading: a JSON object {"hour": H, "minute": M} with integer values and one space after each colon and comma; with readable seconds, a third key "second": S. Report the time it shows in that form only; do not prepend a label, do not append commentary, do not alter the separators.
{"hour": 5, "minute": 27}
